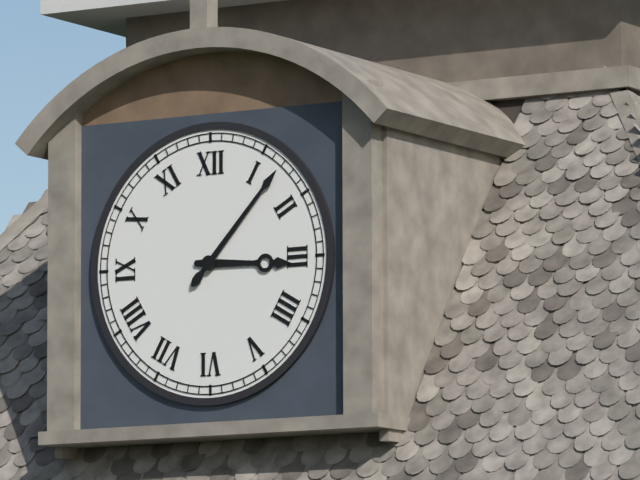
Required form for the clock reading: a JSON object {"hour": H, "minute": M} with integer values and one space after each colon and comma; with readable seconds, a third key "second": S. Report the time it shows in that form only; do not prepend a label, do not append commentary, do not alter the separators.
{"hour": 3, "minute": 7}
